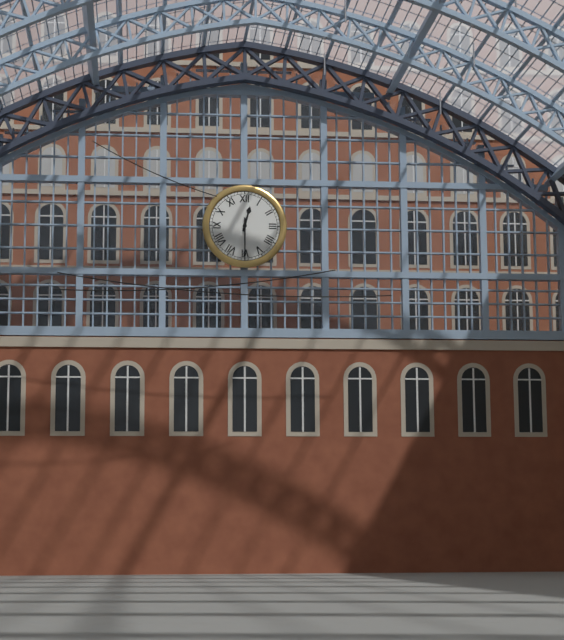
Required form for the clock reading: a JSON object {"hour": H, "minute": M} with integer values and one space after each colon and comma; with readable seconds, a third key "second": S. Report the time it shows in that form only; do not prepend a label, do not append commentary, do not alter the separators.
{"hour": 12, "minute": 30}
